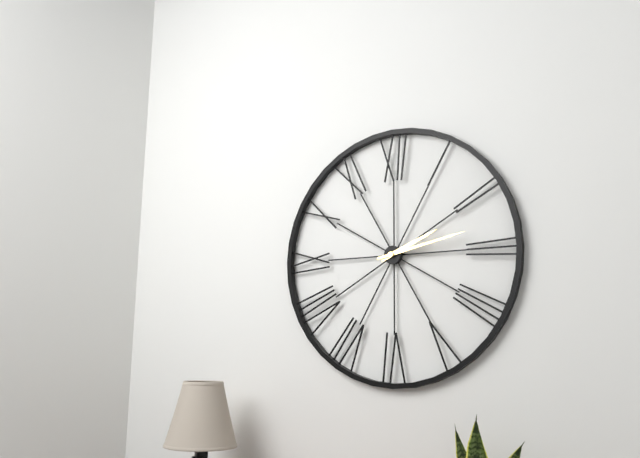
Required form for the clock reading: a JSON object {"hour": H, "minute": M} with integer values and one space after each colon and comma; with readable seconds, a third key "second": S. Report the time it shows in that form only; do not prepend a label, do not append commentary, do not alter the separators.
{"hour": 2, "minute": 13}
